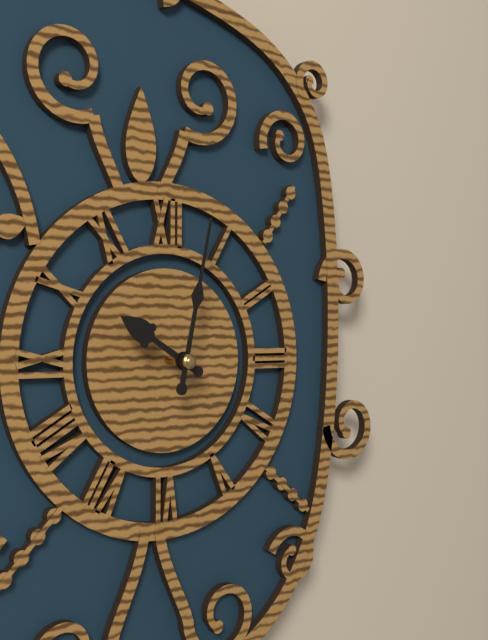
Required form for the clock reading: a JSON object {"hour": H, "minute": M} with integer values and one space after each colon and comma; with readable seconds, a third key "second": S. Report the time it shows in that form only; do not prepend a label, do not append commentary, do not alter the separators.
{"hour": 10, "minute": 2}
